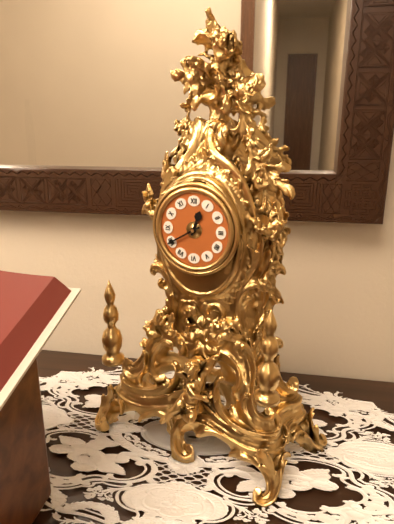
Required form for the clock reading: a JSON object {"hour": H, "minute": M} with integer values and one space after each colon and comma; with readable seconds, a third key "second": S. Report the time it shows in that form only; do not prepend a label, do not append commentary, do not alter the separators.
{"hour": 12, "minute": 40}
